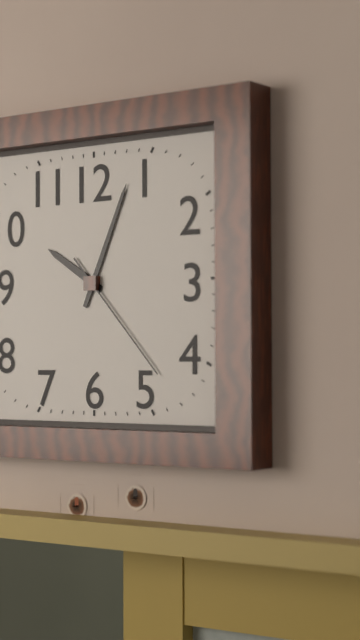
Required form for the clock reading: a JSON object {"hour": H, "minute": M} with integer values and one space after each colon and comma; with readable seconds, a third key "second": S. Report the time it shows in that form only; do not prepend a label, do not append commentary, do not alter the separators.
{"hour": 10, "minute": 4, "second": 23}
